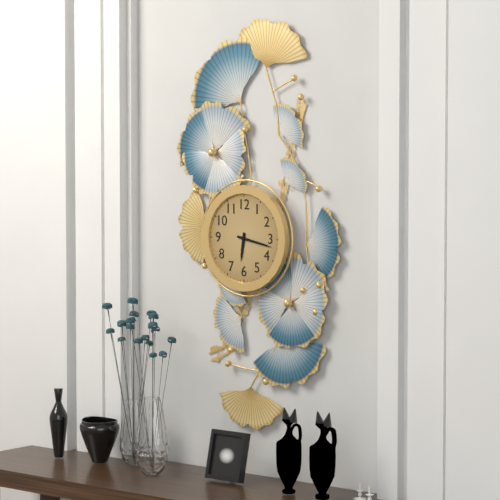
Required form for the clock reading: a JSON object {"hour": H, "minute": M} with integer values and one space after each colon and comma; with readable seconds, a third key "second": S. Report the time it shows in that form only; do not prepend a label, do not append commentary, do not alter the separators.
{"hour": 6, "minute": 17}
